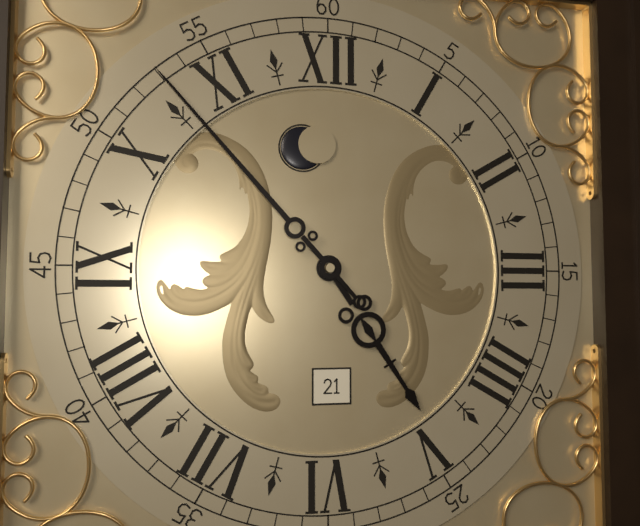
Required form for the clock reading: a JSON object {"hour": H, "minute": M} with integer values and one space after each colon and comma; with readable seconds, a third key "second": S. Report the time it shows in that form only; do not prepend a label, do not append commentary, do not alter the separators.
{"hour": 4, "minute": 53}
